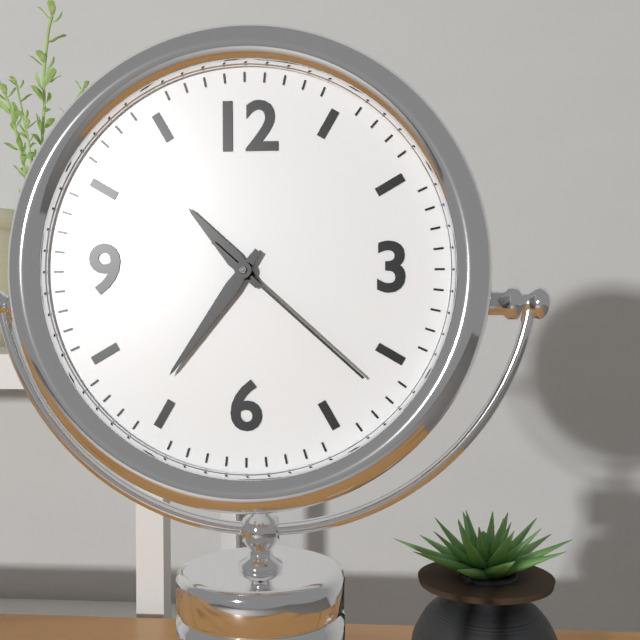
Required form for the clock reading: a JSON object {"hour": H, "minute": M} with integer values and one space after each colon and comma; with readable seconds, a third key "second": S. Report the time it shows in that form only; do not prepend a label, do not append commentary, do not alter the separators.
{"hour": 10, "minute": 36, "second": 22}
